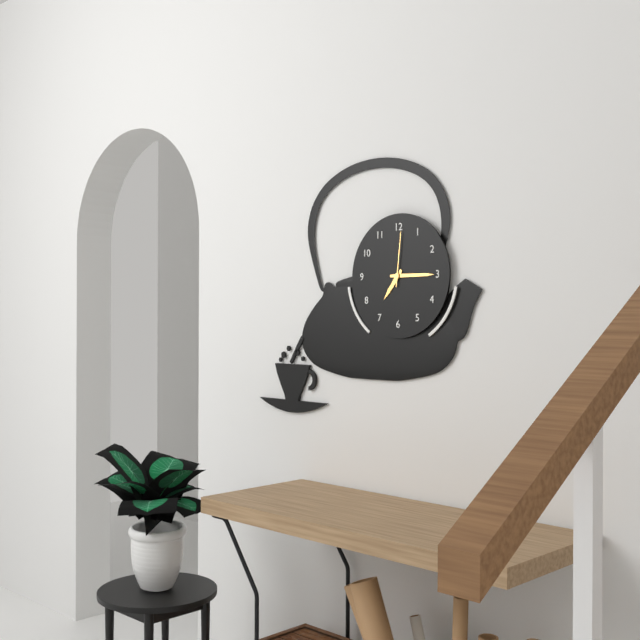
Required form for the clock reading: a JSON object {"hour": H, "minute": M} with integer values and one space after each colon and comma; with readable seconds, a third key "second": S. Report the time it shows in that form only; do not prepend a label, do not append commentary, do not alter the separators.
{"hour": 7, "minute": 15, "second": 1}
